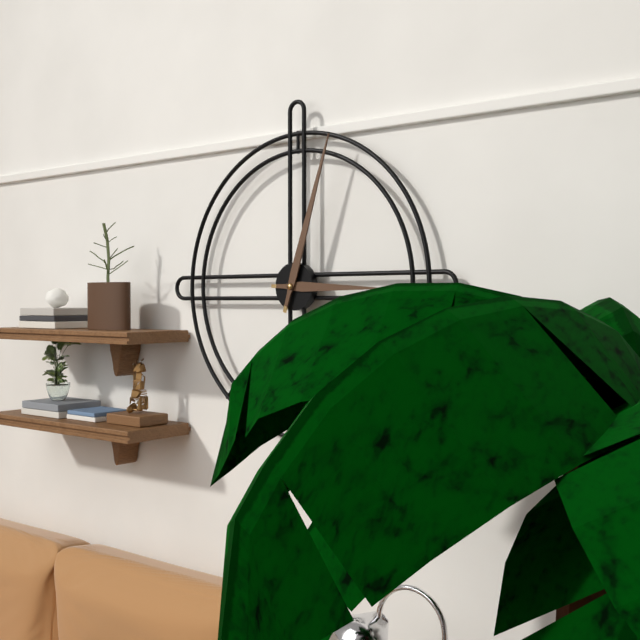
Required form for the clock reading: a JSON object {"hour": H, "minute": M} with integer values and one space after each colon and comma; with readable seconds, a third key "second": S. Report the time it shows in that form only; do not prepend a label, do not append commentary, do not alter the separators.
{"hour": 3, "minute": 3}
